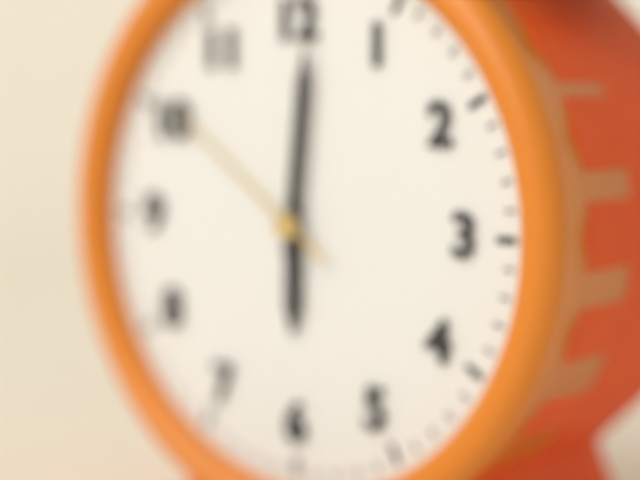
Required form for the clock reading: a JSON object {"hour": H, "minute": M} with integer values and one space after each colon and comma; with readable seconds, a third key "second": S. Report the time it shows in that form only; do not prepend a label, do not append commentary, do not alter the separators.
{"hour": 6, "minute": 1, "second": 51}
